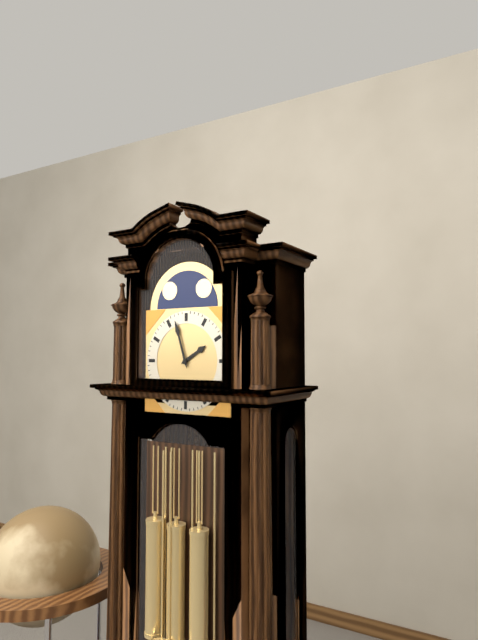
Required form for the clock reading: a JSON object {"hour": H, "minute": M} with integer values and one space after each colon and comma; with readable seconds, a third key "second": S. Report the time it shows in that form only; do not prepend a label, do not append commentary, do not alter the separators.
{"hour": 1, "minute": 57}
